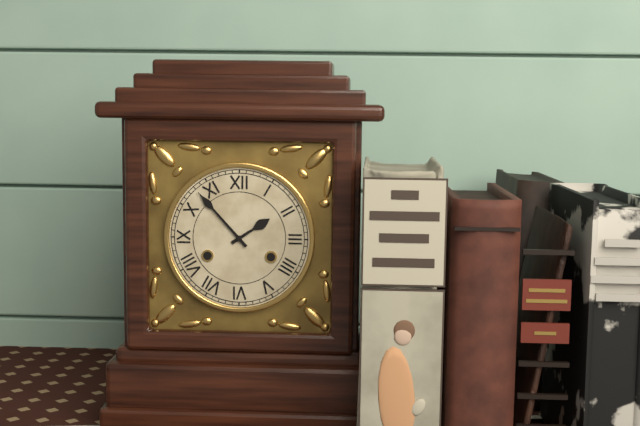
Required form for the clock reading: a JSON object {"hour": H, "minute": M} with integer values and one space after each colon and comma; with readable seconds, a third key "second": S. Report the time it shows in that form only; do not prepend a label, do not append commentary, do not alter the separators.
{"hour": 1, "minute": 53}
